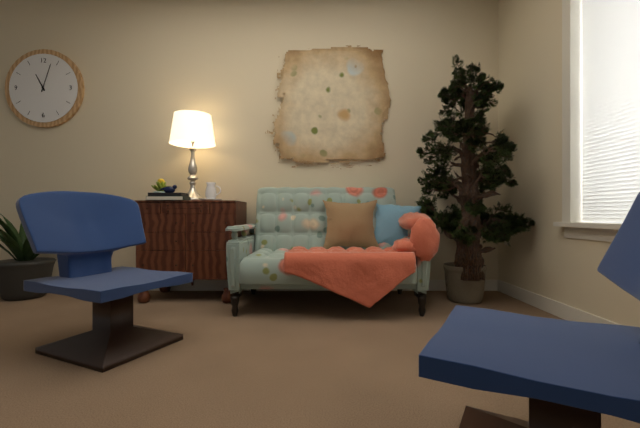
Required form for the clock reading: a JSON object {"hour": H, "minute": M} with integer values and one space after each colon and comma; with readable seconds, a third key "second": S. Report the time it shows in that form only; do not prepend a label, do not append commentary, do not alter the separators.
{"hour": 11, "minute": 3}
